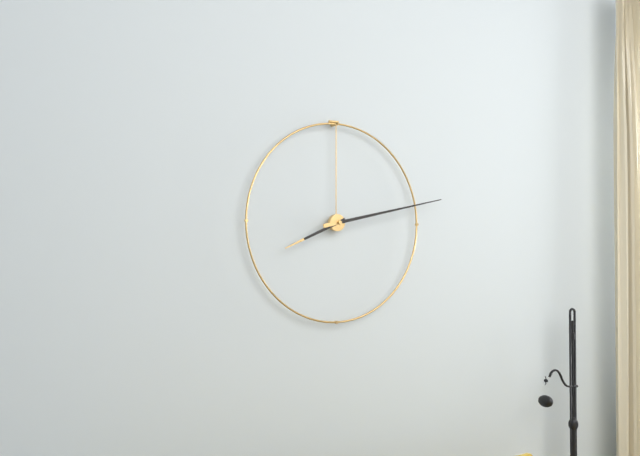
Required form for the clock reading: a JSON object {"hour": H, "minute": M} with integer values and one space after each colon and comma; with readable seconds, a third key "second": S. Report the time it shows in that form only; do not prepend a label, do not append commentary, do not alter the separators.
{"hour": 8, "minute": 13}
